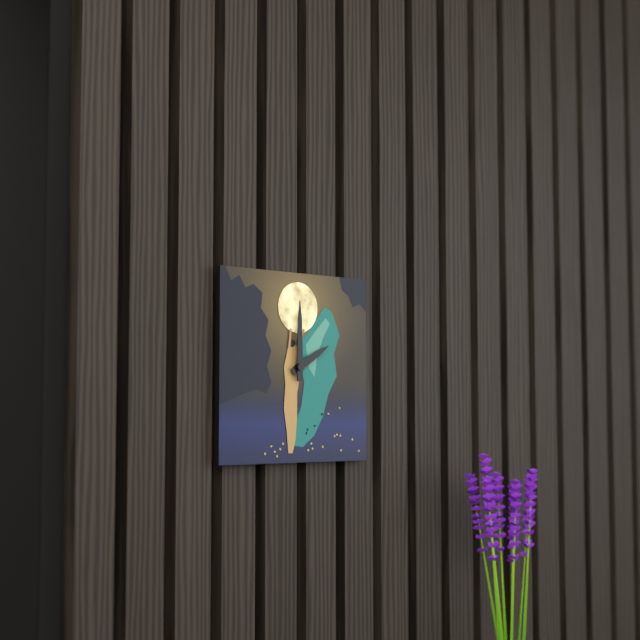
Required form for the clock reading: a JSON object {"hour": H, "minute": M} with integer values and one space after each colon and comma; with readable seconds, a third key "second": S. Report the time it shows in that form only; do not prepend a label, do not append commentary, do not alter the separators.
{"hour": 2, "minute": 0}
